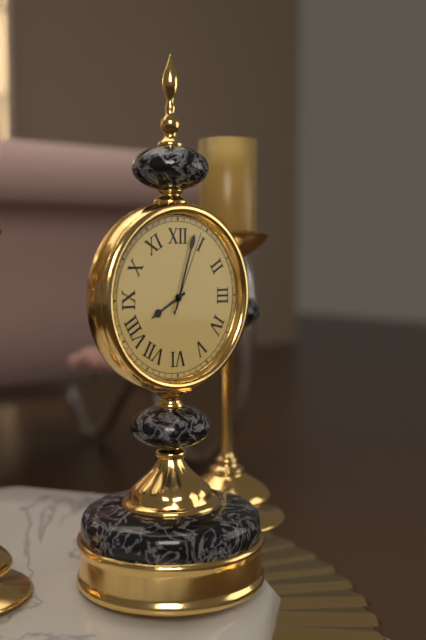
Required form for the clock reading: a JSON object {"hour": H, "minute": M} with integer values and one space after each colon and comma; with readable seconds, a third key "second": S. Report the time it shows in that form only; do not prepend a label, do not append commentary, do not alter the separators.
{"hour": 8, "minute": 3, "second": 4}
